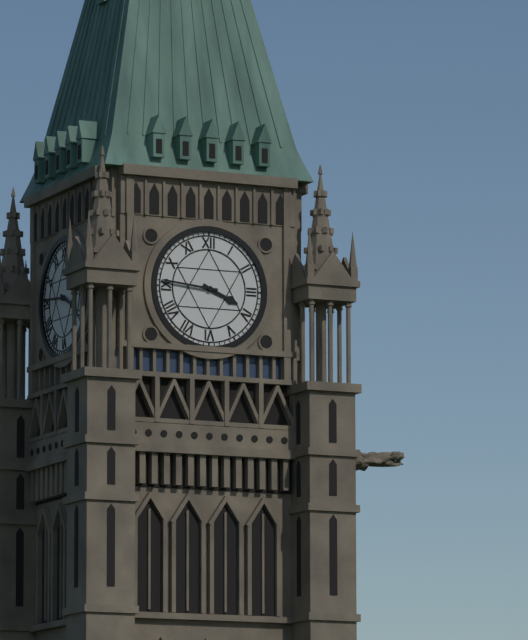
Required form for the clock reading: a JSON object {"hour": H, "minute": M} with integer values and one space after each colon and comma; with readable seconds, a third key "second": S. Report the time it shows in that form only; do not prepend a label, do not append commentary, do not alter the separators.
{"hour": 3, "minute": 46}
